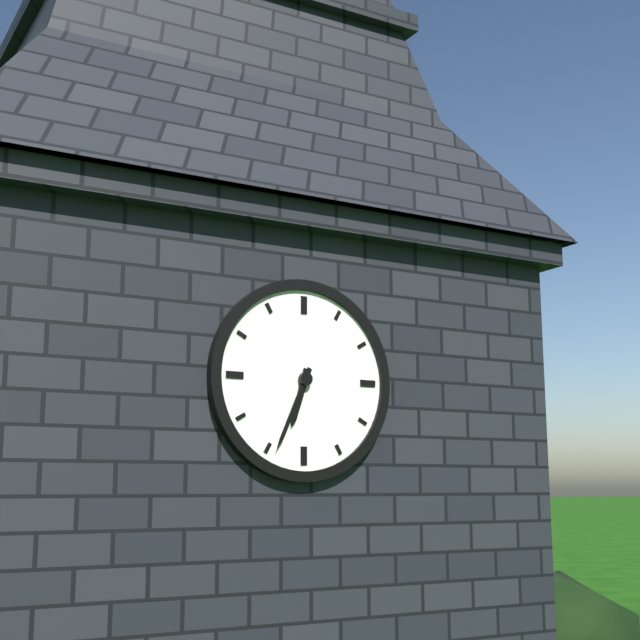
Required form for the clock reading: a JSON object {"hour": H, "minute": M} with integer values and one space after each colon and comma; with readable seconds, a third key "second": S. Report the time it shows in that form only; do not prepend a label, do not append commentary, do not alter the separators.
{"hour": 6, "minute": 34}
